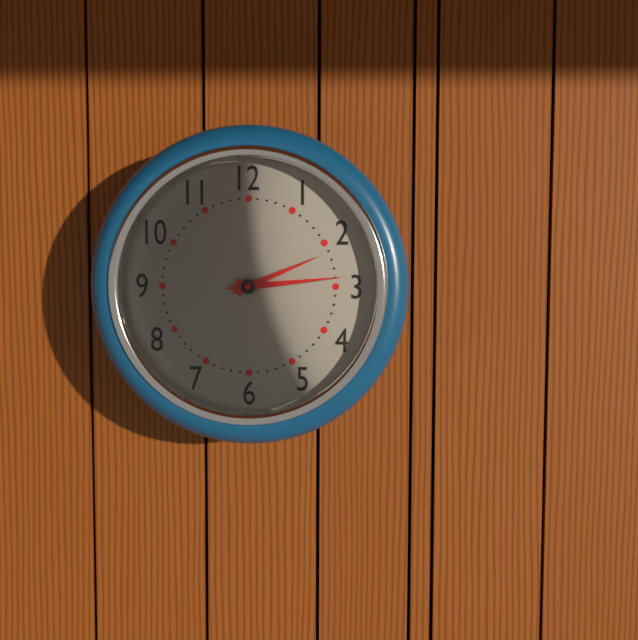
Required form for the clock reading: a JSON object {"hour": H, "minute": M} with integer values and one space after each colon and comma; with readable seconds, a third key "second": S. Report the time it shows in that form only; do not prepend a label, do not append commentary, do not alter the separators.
{"hour": 2, "minute": 14}
